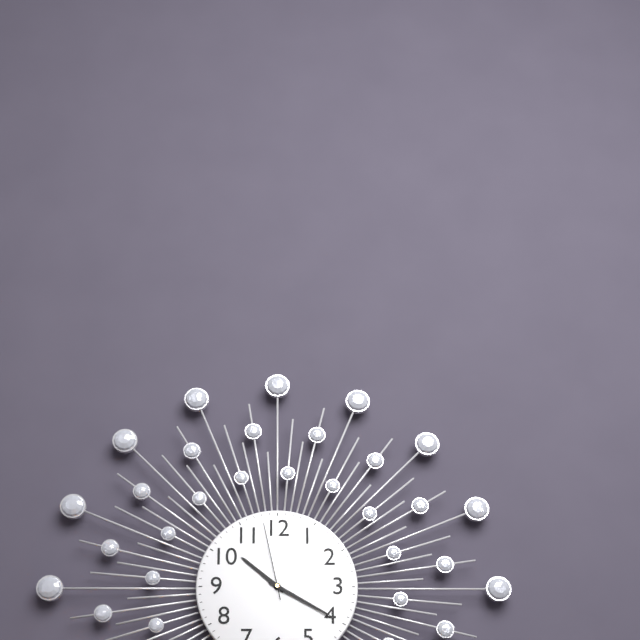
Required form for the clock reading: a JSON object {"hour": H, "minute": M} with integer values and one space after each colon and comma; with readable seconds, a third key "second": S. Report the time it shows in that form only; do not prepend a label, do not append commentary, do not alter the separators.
{"hour": 10, "minute": 20, "second": 58}
